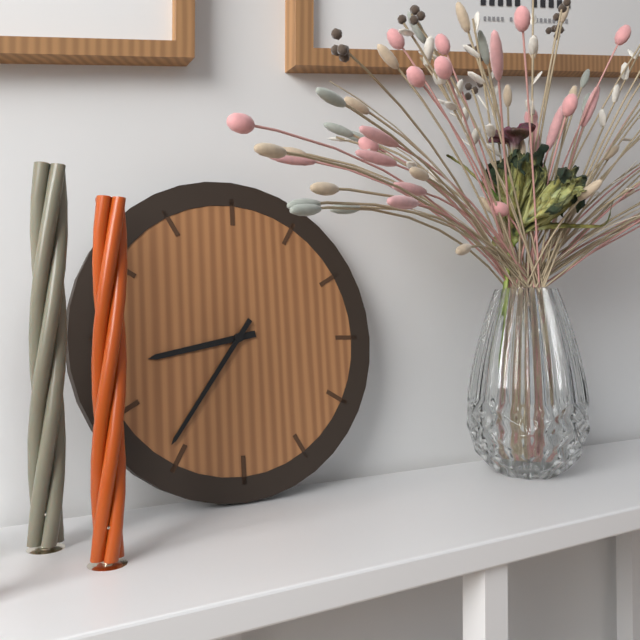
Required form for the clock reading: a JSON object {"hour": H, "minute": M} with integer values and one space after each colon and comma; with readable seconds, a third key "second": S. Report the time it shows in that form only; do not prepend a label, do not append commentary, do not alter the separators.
{"hour": 8, "minute": 36}
